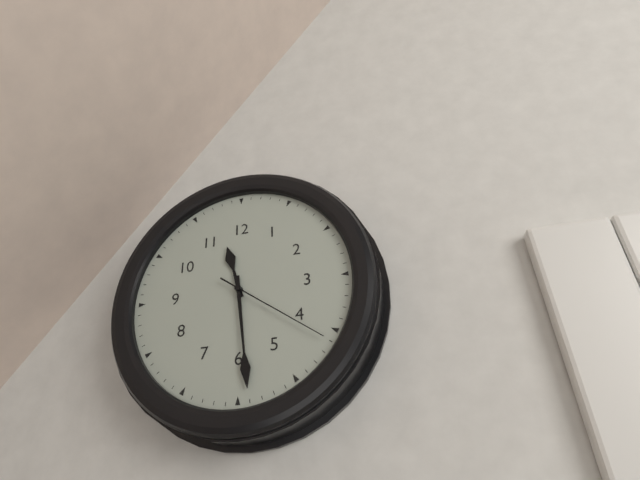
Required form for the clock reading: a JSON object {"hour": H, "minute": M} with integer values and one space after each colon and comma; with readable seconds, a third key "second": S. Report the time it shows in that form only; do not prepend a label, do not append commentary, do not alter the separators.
{"hour": 11, "minute": 29, "second": 21}
